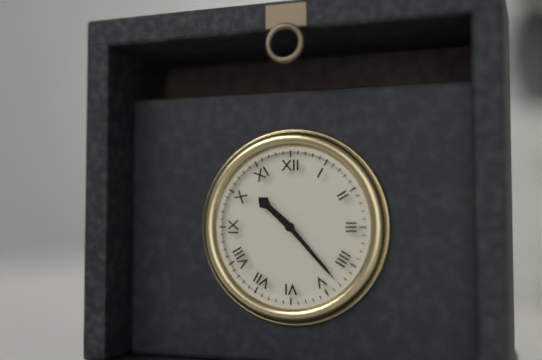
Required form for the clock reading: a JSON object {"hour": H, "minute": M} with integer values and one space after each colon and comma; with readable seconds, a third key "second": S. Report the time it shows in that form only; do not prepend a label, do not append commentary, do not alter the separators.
{"hour": 10, "minute": 23}
